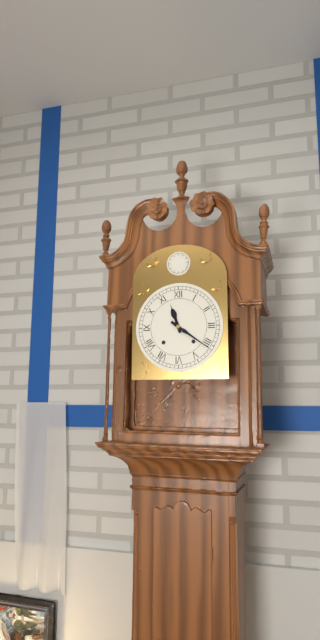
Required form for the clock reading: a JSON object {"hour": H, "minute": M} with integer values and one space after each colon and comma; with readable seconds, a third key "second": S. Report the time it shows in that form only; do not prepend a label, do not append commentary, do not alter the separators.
{"hour": 11, "minute": 21}
